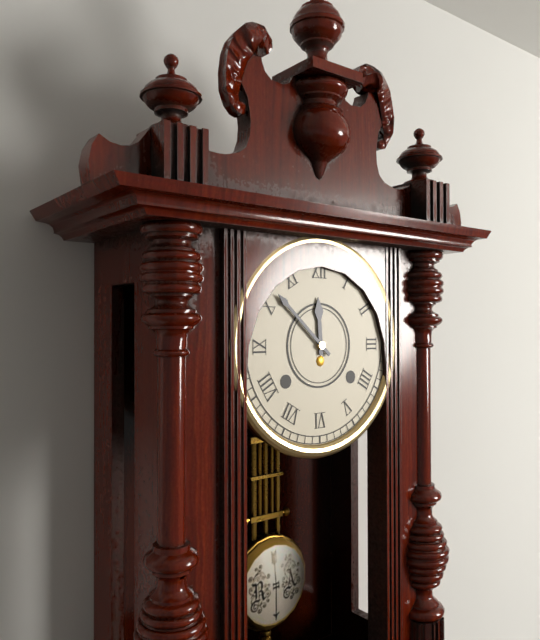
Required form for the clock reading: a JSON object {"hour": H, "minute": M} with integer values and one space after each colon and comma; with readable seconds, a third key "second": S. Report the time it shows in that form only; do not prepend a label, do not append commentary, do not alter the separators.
{"hour": 11, "minute": 52}
